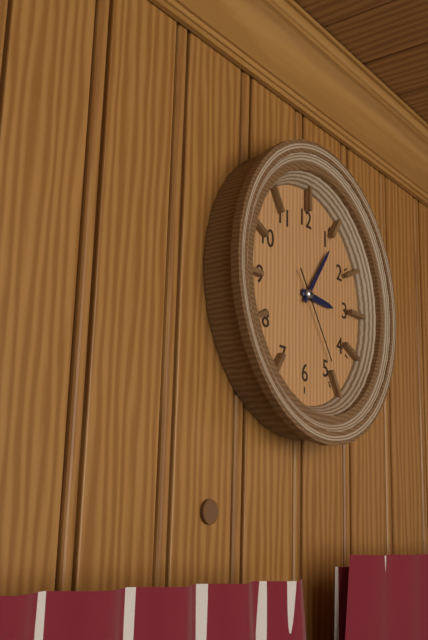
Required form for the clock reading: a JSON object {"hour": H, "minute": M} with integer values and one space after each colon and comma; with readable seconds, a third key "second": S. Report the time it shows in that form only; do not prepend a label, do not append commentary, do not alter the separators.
{"hour": 3, "minute": 6, "second": 24}
